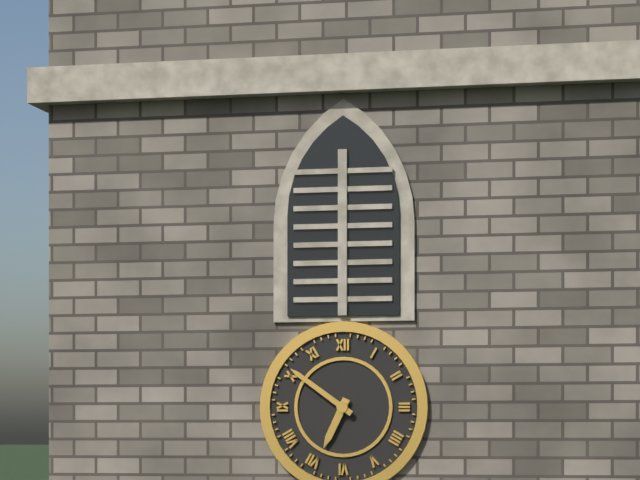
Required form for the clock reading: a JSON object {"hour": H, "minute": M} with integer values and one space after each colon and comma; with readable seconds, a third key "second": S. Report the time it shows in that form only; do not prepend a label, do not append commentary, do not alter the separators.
{"hour": 6, "minute": 51}
